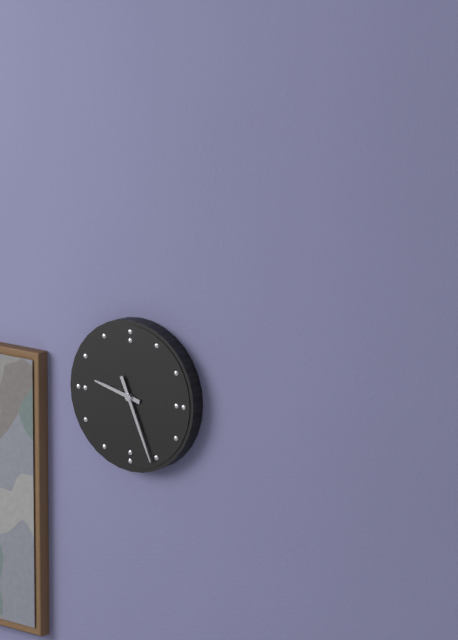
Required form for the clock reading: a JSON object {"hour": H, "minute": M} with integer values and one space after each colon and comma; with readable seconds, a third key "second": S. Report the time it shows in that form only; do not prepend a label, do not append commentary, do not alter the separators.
{"hour": 9, "minute": 26}
